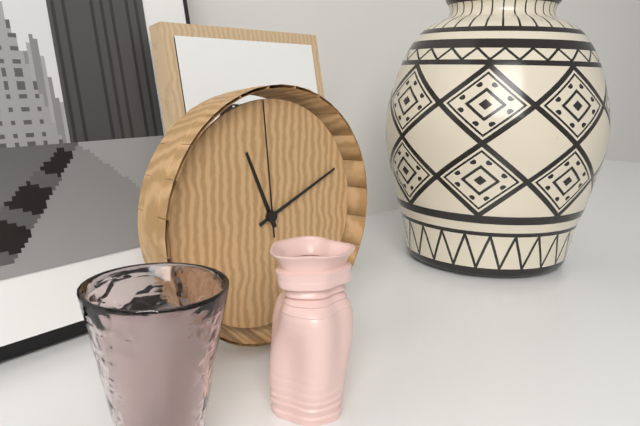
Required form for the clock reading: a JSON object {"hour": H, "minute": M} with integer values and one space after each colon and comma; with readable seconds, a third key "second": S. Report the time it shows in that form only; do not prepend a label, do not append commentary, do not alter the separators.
{"hour": 11, "minute": 11, "second": 59}
